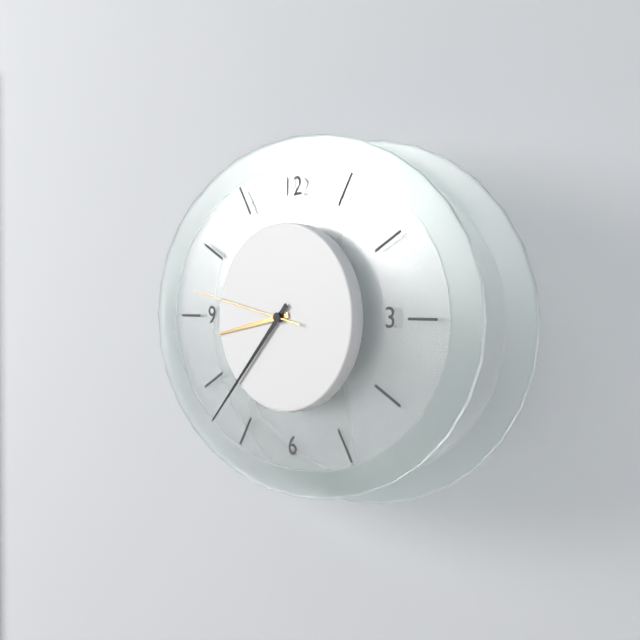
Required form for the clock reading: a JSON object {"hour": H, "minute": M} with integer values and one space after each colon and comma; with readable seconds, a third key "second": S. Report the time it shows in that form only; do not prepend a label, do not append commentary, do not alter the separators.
{"hour": 8, "minute": 37, "second": 47}
